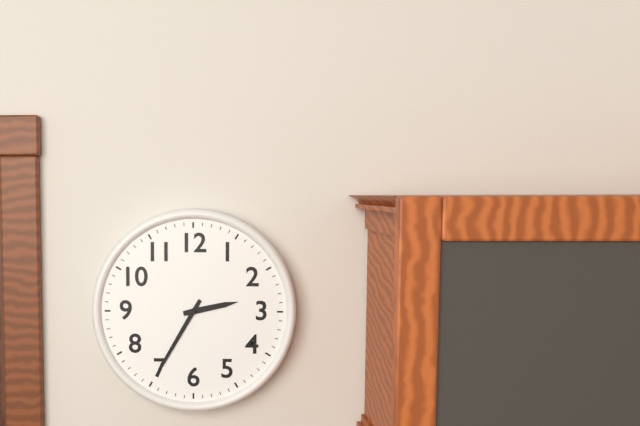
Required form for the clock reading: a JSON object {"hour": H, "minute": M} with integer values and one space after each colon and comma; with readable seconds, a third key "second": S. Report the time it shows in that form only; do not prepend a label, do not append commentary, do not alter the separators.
{"hour": 2, "minute": 35}
